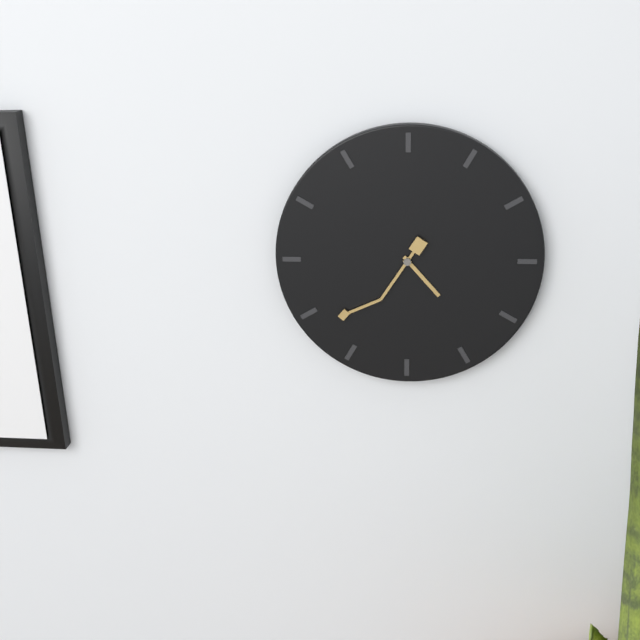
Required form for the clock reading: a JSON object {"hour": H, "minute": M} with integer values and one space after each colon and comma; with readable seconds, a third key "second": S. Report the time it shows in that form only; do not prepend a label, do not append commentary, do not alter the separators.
{"hour": 4, "minute": 38}
